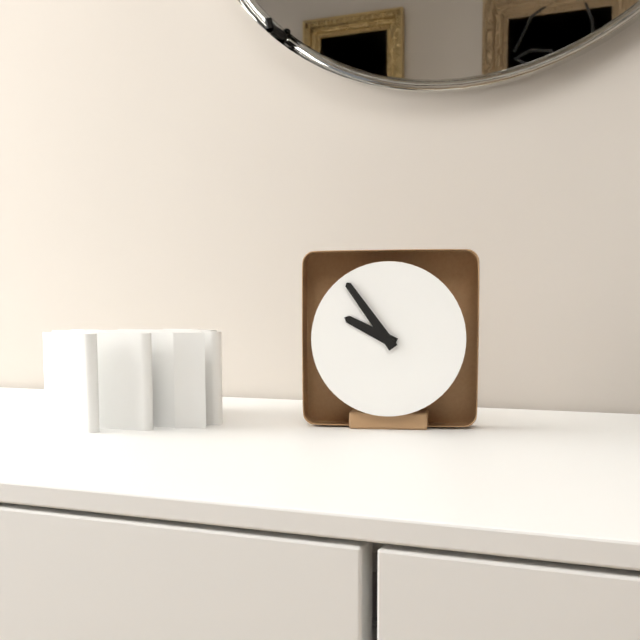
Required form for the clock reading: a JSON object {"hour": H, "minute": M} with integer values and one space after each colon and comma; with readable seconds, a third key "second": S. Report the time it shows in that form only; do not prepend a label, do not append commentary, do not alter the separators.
{"hour": 9, "minute": 54}
